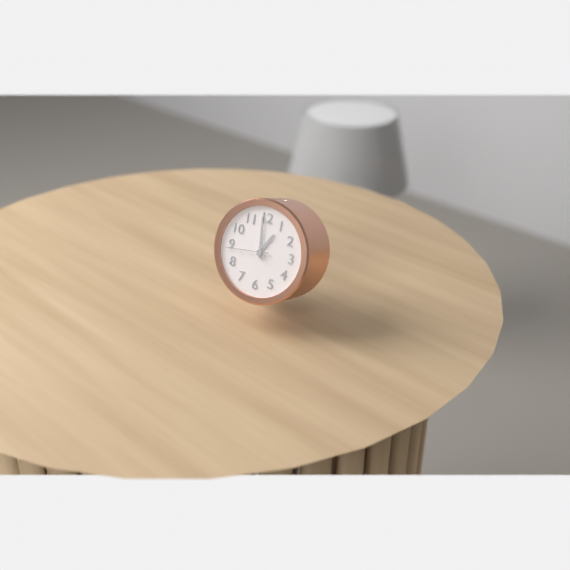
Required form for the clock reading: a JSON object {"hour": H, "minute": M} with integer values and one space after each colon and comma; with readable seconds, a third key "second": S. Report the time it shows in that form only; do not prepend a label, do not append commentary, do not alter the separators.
{"hour": 12, "minute": 59}
